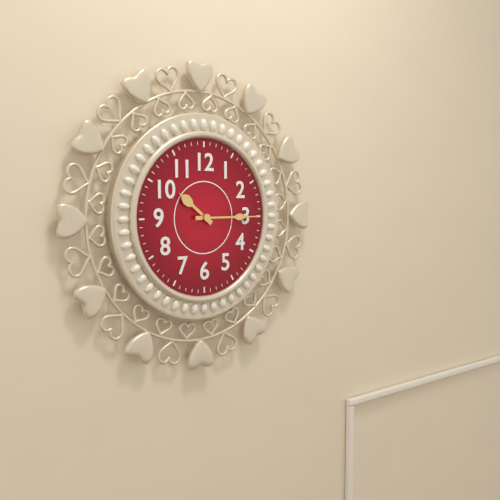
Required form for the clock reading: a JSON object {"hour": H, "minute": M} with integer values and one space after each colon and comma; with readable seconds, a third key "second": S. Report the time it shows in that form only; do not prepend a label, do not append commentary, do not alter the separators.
{"hour": 10, "minute": 15}
